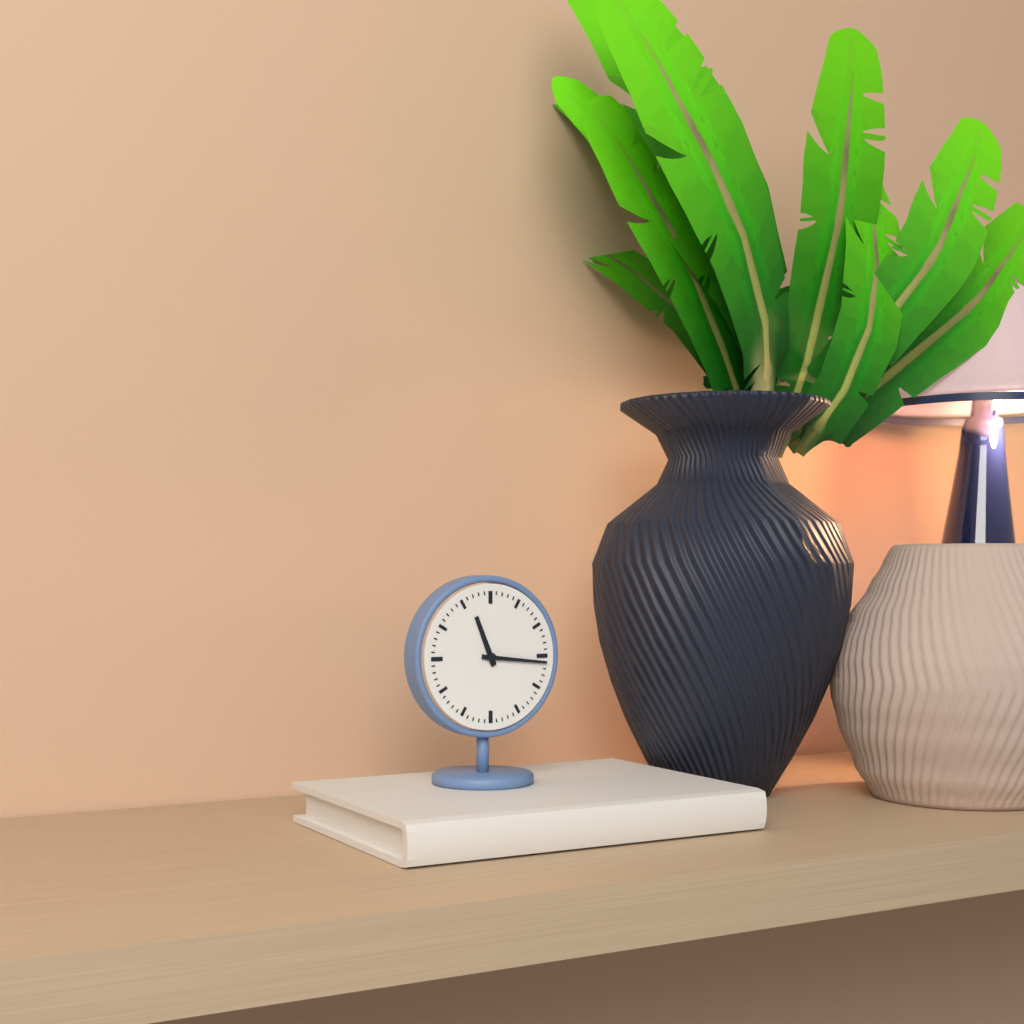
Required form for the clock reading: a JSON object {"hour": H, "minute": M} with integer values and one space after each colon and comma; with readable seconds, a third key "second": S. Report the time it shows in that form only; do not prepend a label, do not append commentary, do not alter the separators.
{"hour": 11, "minute": 16}
